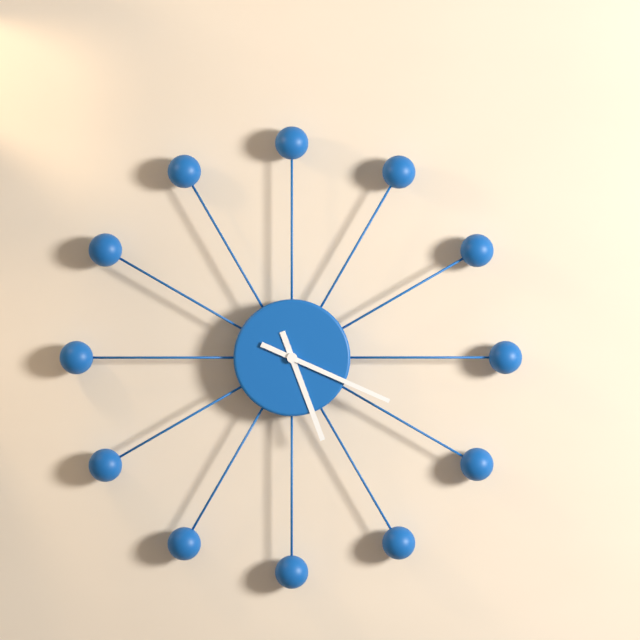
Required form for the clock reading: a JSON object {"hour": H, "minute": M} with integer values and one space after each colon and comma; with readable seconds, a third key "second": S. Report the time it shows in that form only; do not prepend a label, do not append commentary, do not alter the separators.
{"hour": 5, "minute": 19}
